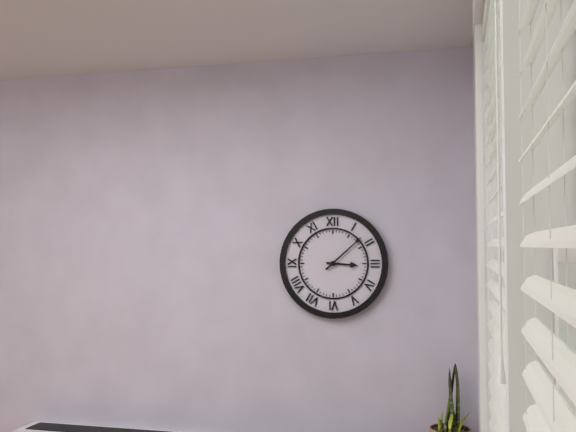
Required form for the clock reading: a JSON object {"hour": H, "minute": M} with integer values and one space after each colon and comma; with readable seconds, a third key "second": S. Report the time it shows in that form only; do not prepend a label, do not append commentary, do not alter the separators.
{"hour": 3, "minute": 8}
